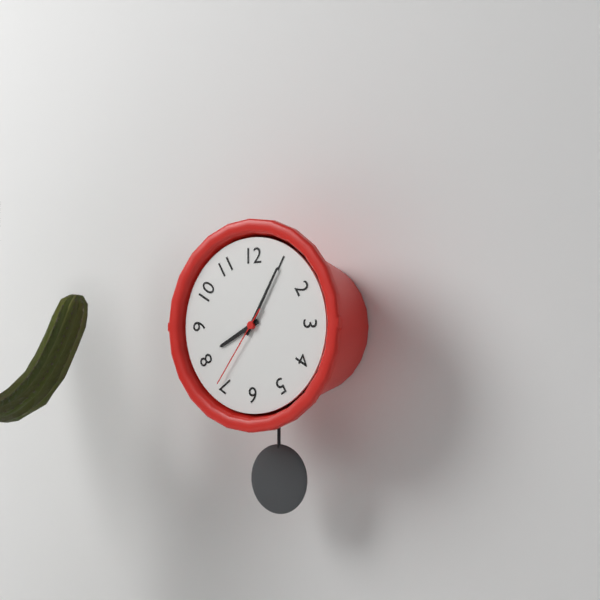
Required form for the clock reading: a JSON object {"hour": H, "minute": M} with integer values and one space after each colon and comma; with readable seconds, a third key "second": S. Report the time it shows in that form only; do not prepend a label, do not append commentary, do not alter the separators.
{"hour": 8, "minute": 5, "second": 36}
